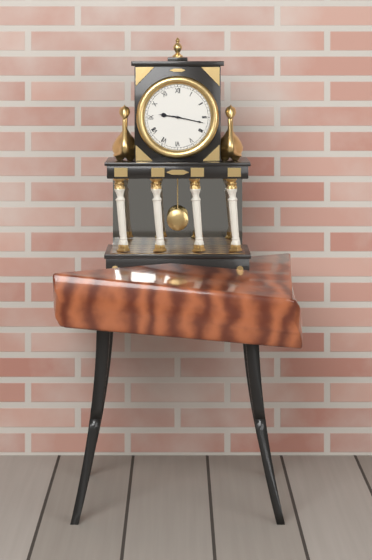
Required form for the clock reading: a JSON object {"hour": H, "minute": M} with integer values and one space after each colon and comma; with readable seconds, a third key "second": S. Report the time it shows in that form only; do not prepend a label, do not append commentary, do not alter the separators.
{"hour": 9, "minute": 17}
